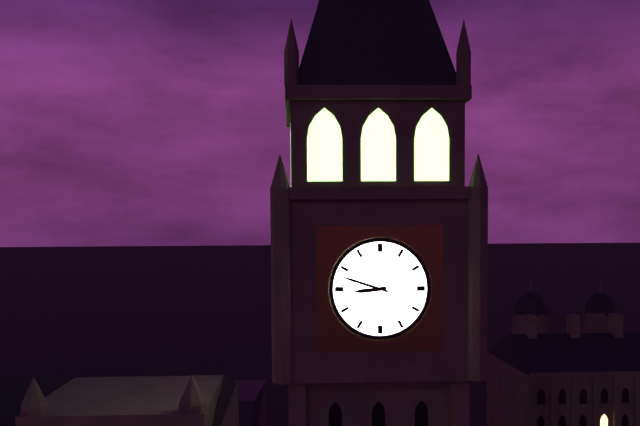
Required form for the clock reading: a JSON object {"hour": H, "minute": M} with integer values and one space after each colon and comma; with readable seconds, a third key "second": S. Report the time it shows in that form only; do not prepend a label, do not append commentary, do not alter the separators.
{"hour": 8, "minute": 48}
